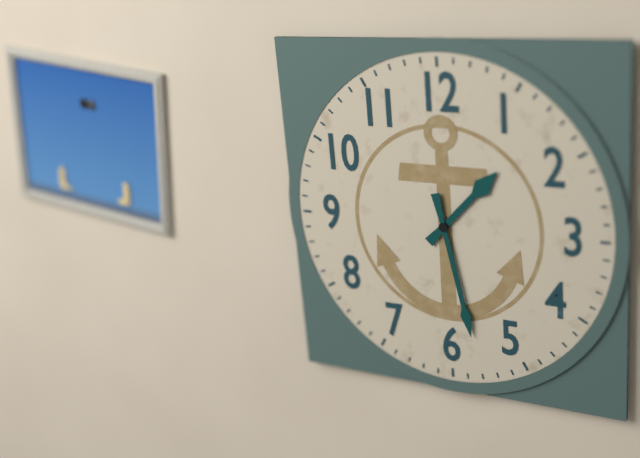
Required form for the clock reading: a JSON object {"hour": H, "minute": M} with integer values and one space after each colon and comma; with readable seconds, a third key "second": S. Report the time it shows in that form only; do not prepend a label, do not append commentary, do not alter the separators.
{"hour": 1, "minute": 28}
